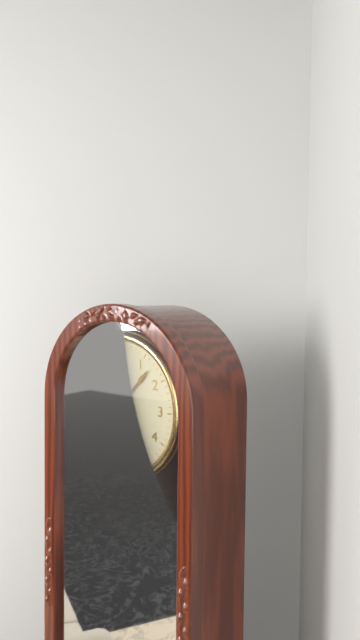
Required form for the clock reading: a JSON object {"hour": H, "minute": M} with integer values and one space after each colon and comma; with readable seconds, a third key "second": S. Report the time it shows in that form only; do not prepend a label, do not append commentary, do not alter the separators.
{"hour": 7, "minute": 7}
